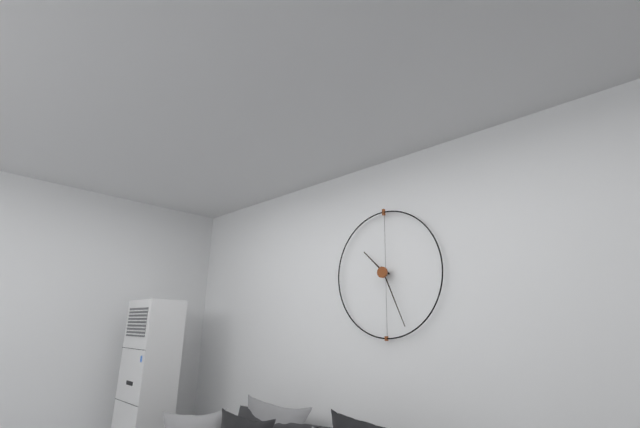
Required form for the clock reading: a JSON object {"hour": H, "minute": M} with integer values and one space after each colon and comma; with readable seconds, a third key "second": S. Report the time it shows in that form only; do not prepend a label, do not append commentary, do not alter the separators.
{"hour": 10, "minute": 26}
